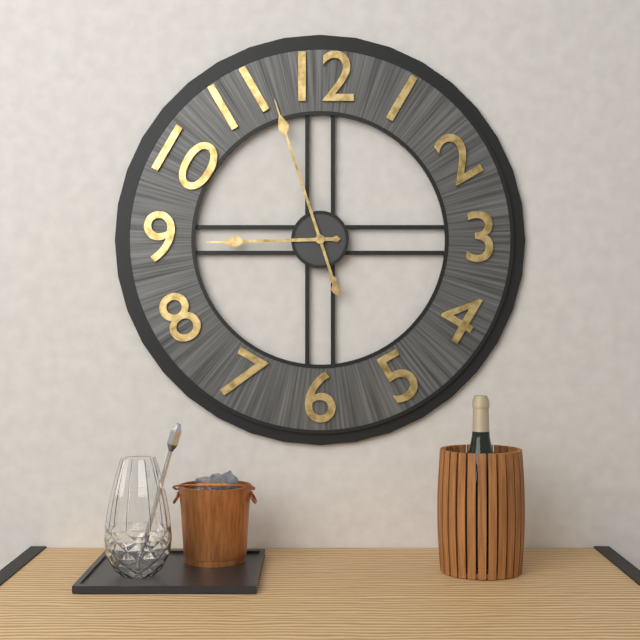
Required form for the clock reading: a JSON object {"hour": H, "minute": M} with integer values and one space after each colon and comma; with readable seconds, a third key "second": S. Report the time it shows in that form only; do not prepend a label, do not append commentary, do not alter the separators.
{"hour": 8, "minute": 57}
